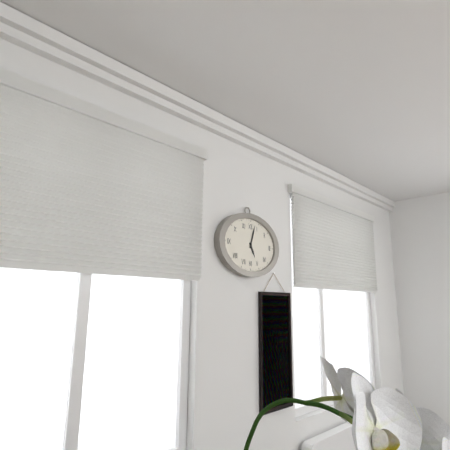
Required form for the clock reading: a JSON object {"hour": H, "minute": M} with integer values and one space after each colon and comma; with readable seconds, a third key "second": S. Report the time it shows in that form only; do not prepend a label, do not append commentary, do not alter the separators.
{"hour": 5, "minute": 3}
